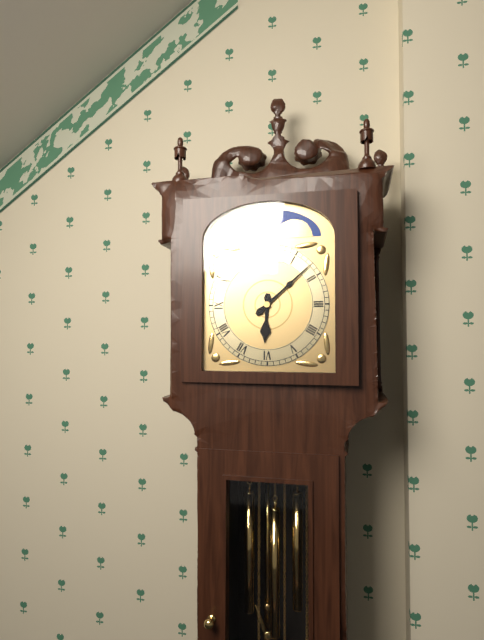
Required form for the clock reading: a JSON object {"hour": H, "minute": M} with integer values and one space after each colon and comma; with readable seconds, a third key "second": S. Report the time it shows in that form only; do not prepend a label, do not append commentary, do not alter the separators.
{"hour": 6, "minute": 8}
